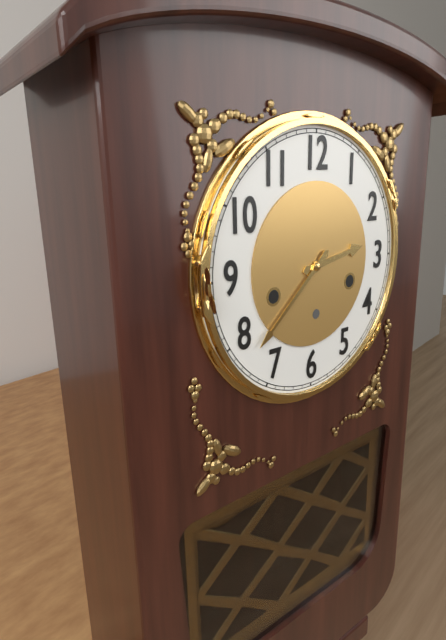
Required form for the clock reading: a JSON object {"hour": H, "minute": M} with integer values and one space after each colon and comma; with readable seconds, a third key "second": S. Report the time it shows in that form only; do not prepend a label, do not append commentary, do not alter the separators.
{"hour": 2, "minute": 38}
